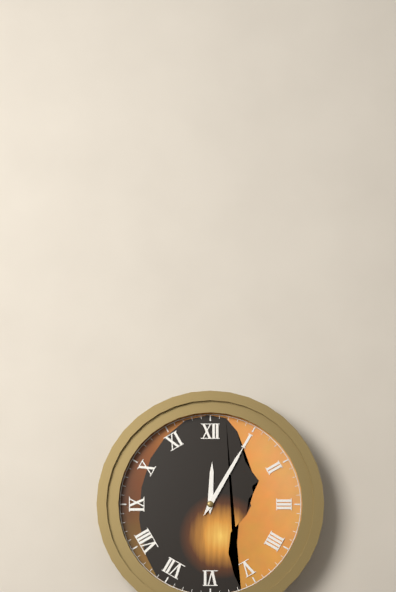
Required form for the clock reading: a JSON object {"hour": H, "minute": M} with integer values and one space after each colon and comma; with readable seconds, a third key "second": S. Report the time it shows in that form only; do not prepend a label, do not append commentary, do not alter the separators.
{"hour": 12, "minute": 5}
